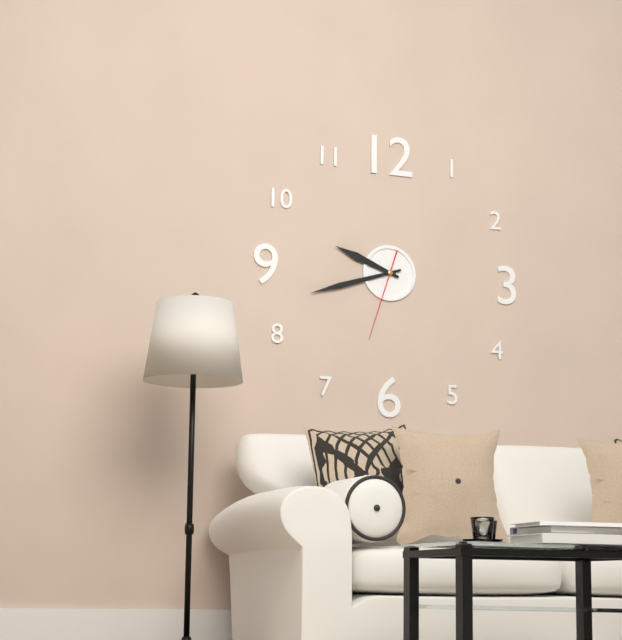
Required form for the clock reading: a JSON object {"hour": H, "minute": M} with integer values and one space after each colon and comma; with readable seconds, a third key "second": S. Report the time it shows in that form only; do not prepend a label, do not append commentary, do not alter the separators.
{"hour": 9, "minute": 42, "second": 33}
